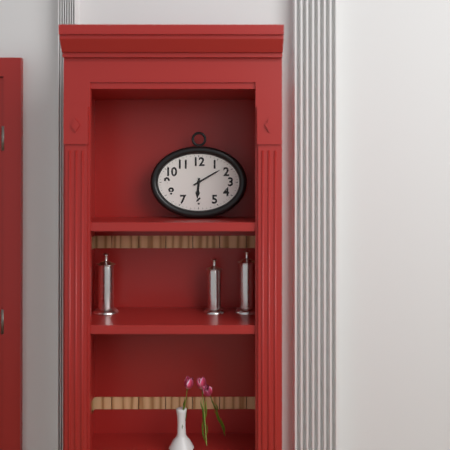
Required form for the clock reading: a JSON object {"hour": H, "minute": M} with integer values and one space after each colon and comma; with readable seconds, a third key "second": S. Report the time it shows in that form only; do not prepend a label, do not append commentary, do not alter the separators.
{"hour": 6, "minute": 10}
